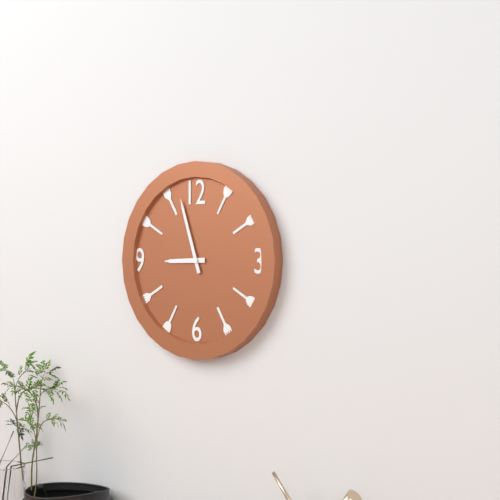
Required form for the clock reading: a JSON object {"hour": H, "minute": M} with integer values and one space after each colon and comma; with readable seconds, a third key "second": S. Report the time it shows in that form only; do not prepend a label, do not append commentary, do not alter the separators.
{"hour": 8, "minute": 57}
